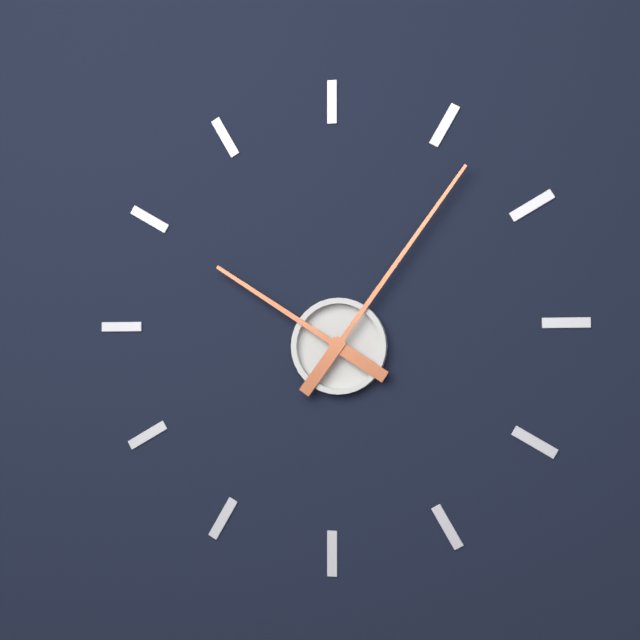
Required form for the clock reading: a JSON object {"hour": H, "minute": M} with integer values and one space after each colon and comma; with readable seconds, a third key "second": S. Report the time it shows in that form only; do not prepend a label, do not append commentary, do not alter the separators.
{"hour": 10, "minute": 6}
